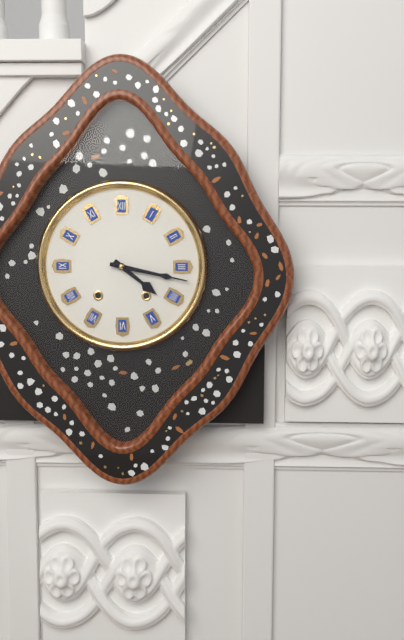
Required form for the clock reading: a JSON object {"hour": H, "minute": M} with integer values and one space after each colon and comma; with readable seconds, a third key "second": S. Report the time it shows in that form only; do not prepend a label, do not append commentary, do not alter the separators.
{"hour": 4, "minute": 17}
